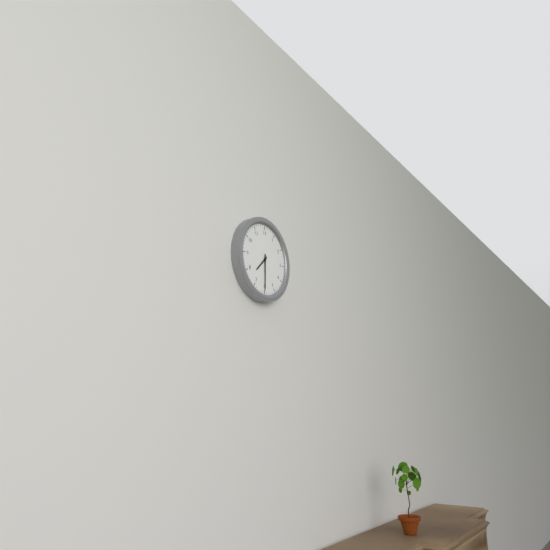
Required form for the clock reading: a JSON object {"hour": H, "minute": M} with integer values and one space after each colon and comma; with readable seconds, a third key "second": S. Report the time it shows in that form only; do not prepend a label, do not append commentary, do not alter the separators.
{"hour": 7, "minute": 30}
